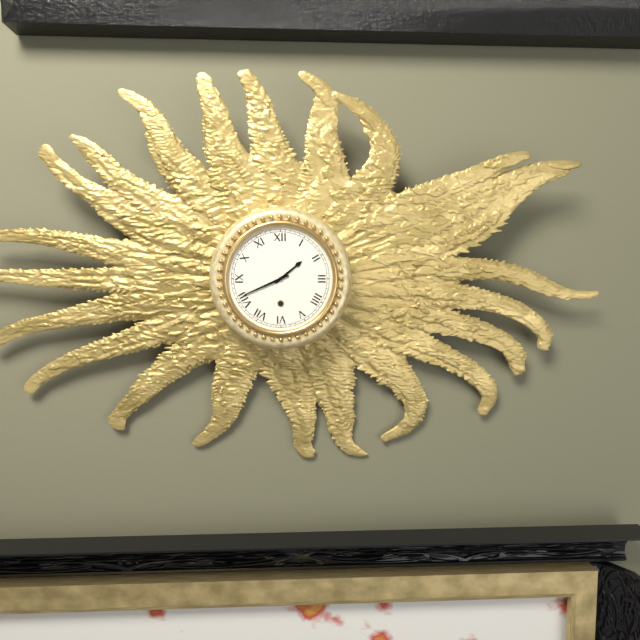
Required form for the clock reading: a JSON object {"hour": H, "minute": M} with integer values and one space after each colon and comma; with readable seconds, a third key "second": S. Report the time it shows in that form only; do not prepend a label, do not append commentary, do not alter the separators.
{"hour": 1, "minute": 41}
